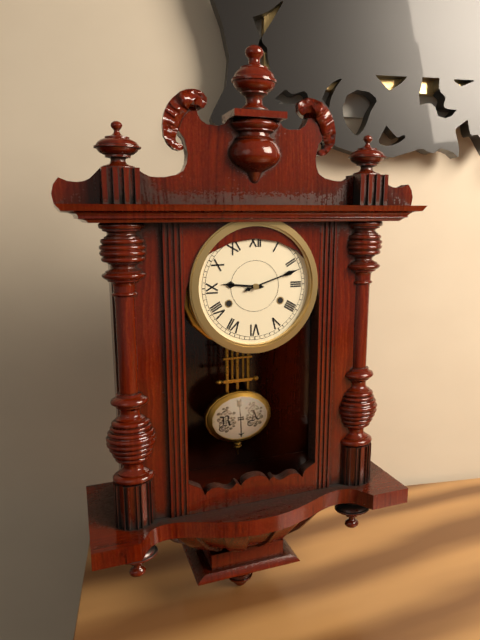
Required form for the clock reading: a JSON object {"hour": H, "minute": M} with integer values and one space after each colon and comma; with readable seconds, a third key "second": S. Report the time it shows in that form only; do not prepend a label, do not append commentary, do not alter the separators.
{"hour": 9, "minute": 12}
